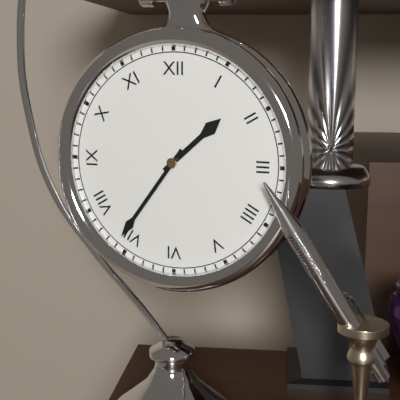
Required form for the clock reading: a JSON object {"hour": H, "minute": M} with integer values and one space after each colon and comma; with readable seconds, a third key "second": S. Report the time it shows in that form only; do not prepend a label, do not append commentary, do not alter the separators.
{"hour": 1, "minute": 36}
